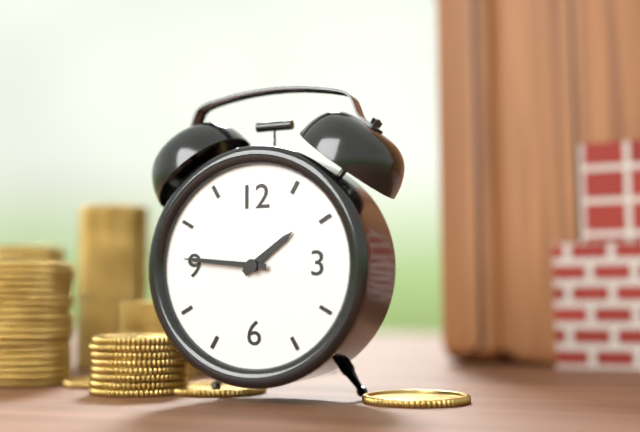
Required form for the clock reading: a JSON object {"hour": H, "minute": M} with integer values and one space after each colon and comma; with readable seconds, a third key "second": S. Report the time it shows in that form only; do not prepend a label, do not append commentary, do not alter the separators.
{"hour": 1, "minute": 46}
